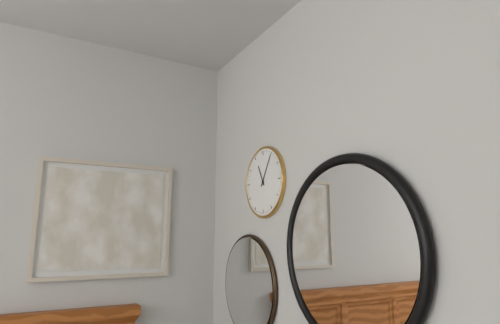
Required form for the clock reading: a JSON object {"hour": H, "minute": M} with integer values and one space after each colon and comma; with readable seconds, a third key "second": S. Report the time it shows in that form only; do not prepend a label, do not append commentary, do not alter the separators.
{"hour": 11, "minute": 5}
